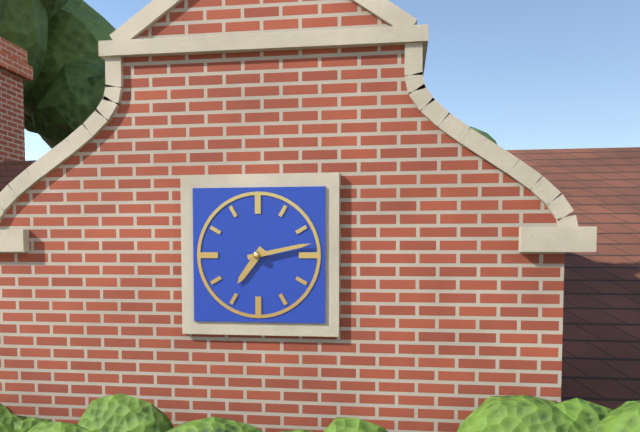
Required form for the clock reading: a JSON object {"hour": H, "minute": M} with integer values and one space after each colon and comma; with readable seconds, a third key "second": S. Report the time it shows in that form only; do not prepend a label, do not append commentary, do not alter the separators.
{"hour": 7, "minute": 13}
